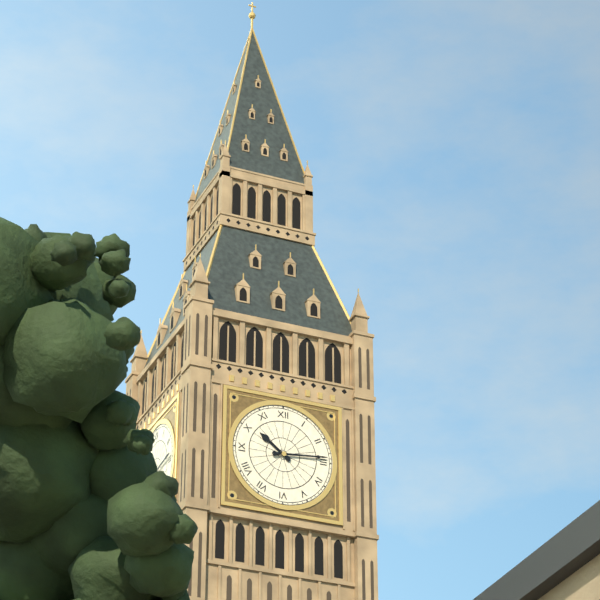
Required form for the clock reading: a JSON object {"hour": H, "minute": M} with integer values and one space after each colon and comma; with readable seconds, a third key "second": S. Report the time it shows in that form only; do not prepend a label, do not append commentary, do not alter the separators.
{"hour": 10, "minute": 14}
